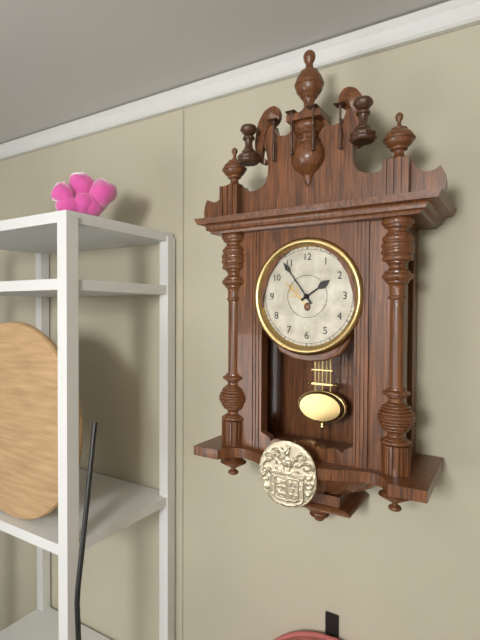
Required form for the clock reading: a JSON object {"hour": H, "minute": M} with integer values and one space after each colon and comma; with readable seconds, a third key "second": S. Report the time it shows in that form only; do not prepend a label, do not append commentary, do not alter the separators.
{"hour": 1, "minute": 54}
